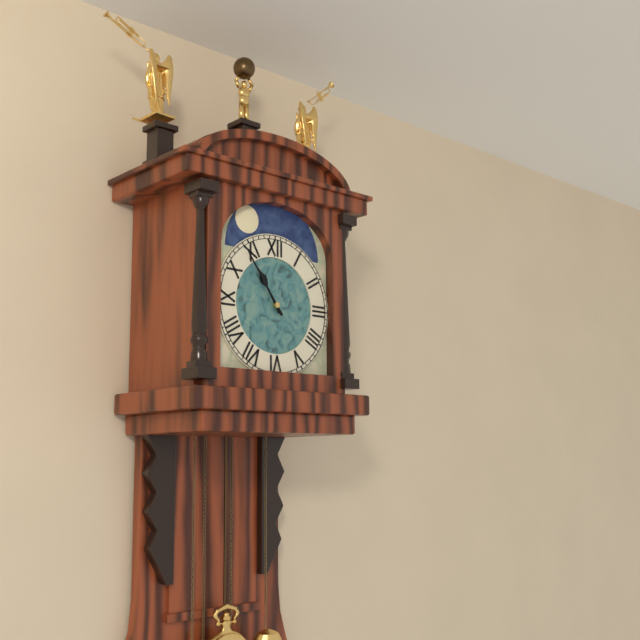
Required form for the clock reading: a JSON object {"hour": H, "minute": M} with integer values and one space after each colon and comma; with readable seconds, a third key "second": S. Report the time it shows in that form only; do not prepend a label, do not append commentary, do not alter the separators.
{"hour": 10, "minute": 54}
